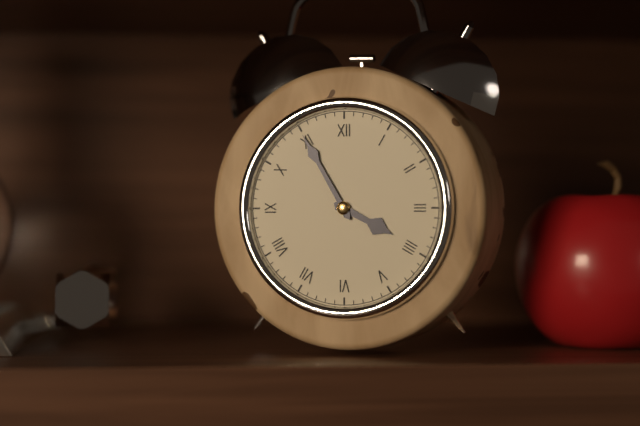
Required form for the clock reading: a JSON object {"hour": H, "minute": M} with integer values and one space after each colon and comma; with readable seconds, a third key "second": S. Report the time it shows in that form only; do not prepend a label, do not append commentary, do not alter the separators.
{"hour": 3, "minute": 55}
